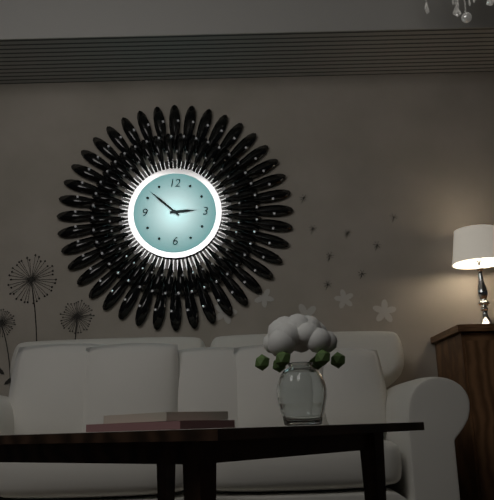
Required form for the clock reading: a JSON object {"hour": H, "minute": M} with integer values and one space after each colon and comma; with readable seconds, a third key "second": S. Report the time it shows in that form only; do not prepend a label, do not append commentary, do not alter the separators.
{"hour": 2, "minute": 52}
